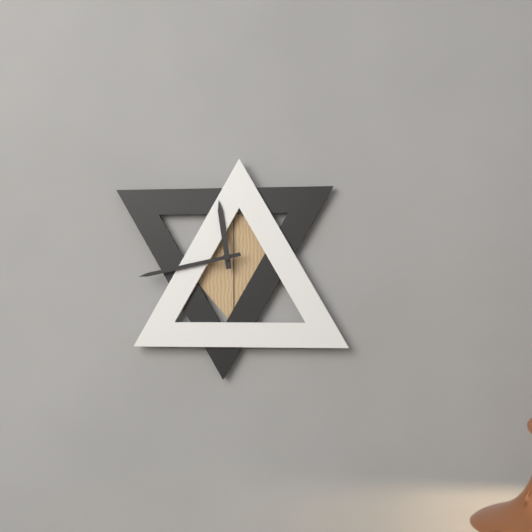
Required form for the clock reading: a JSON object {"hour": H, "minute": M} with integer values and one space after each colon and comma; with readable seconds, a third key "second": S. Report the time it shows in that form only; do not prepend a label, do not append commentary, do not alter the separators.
{"hour": 11, "minute": 43}
